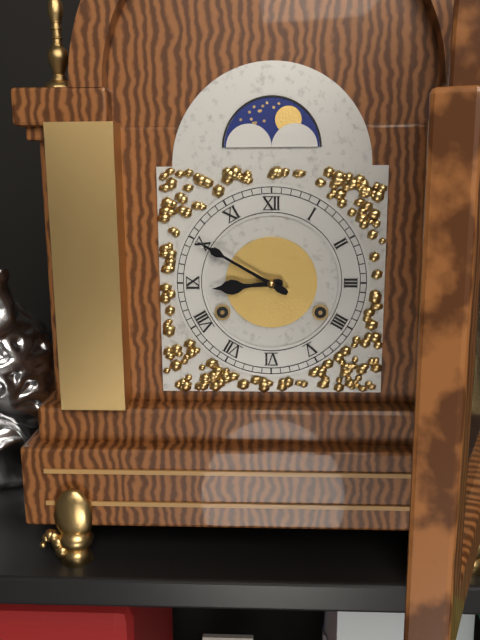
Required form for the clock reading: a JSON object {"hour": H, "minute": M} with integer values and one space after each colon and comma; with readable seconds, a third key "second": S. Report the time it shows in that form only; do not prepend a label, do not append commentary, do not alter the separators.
{"hour": 8, "minute": 50}
